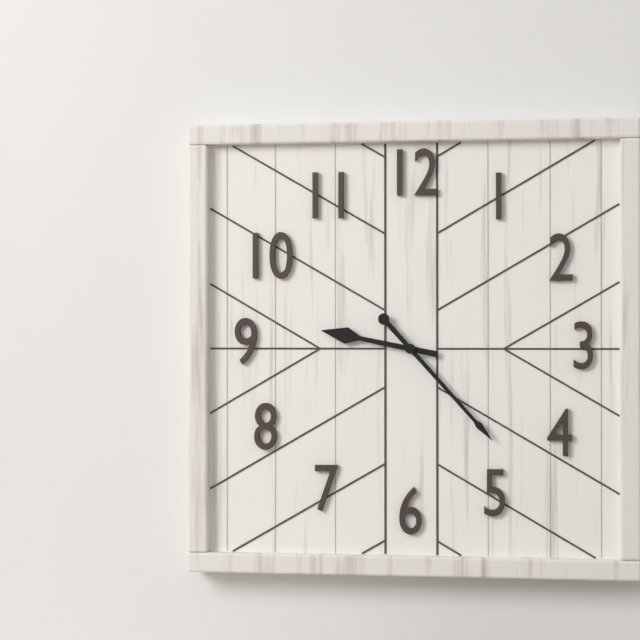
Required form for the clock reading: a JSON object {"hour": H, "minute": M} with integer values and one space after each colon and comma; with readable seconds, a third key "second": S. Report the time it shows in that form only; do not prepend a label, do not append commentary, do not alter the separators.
{"hour": 9, "minute": 23}
